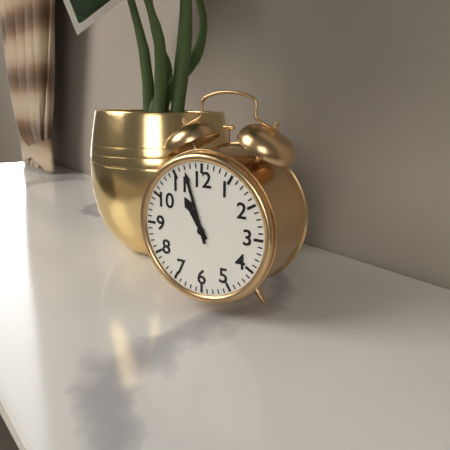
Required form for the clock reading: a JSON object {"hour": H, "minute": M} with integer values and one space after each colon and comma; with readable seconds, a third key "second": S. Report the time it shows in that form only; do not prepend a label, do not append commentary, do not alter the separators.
{"hour": 10, "minute": 57}
